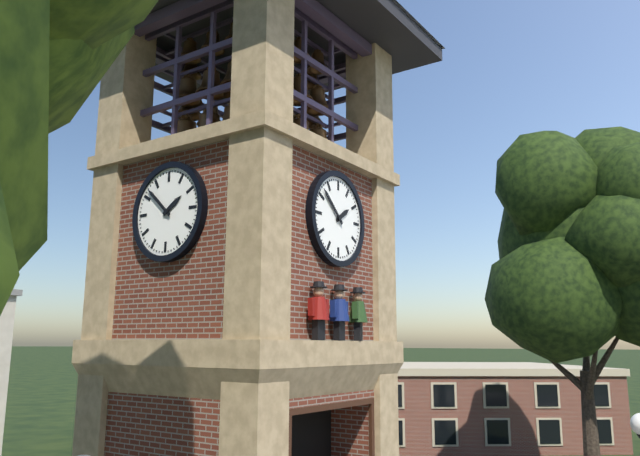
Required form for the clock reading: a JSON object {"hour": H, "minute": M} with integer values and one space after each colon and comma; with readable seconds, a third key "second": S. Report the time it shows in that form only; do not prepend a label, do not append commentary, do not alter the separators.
{"hour": 1, "minute": 52}
